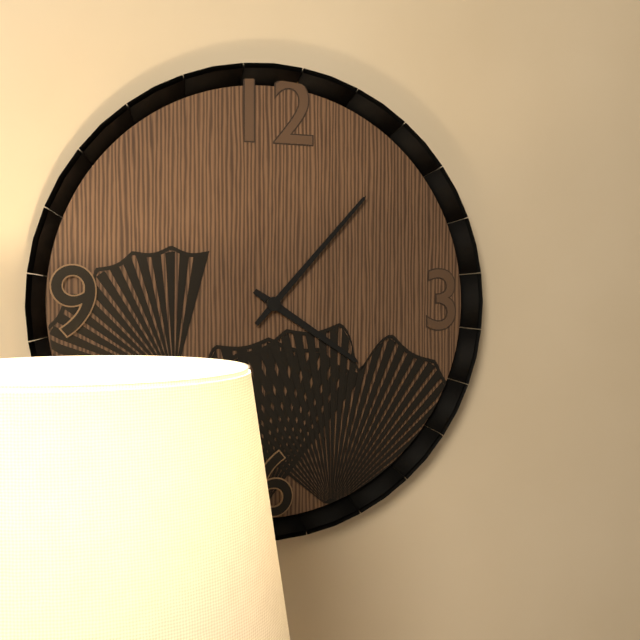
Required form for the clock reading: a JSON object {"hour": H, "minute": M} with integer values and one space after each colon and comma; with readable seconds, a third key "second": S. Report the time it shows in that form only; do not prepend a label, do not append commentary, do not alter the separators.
{"hour": 4, "minute": 7}
